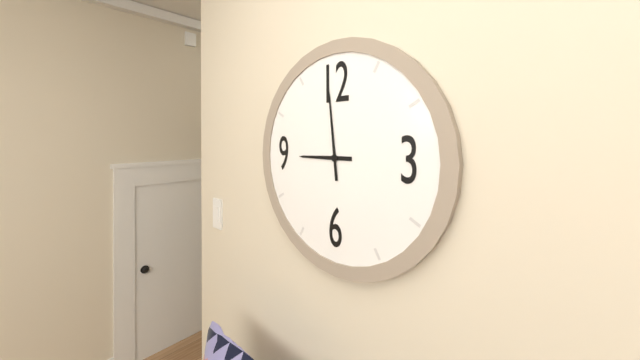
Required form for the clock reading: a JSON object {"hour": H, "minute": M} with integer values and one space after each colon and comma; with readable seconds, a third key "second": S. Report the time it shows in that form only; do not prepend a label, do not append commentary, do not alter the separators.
{"hour": 8, "minute": 59}
